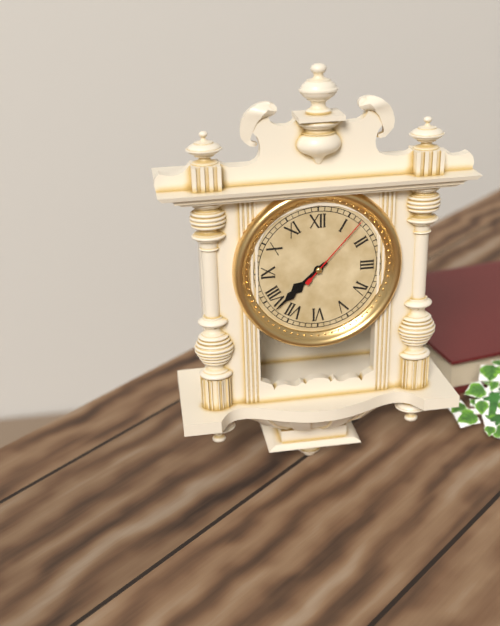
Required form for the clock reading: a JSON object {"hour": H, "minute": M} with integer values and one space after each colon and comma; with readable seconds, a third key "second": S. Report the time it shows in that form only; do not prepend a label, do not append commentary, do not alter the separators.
{"hour": 7, "minute": 38, "second": 7}
